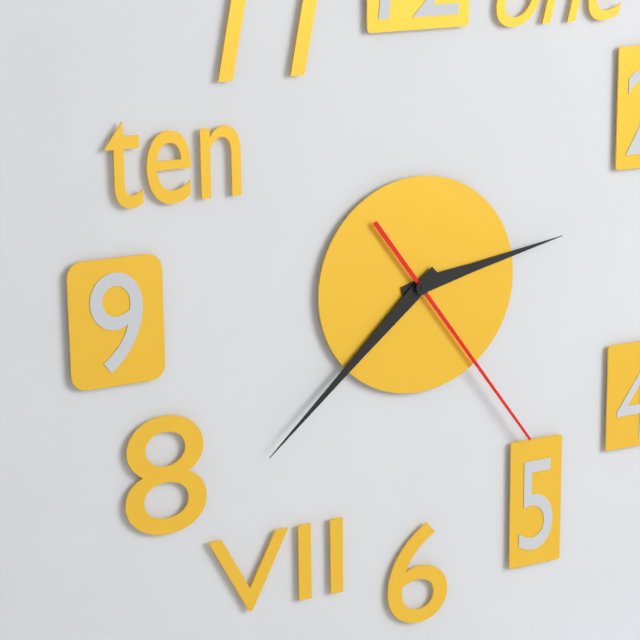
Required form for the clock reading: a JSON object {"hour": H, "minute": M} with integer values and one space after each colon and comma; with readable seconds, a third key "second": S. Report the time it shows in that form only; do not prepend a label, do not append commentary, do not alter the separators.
{"hour": 2, "minute": 38, "second": 24}
